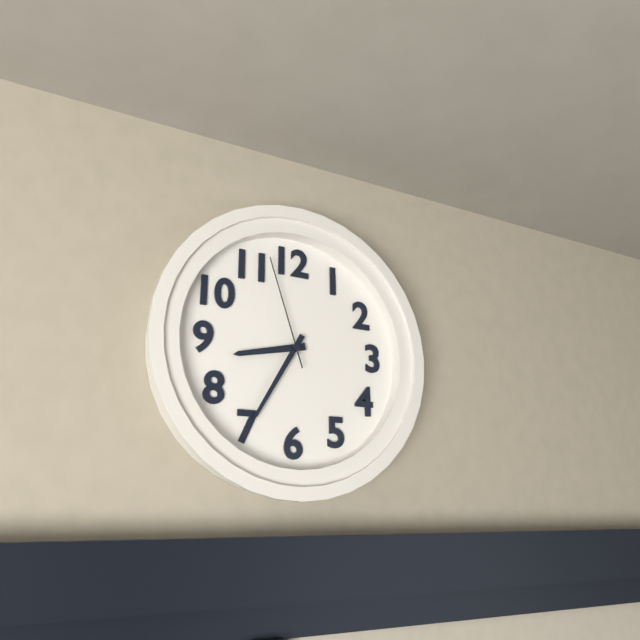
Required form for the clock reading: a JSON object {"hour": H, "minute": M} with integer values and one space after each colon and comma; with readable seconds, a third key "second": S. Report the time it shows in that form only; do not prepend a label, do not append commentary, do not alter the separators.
{"hour": 8, "minute": 35, "second": 57}
